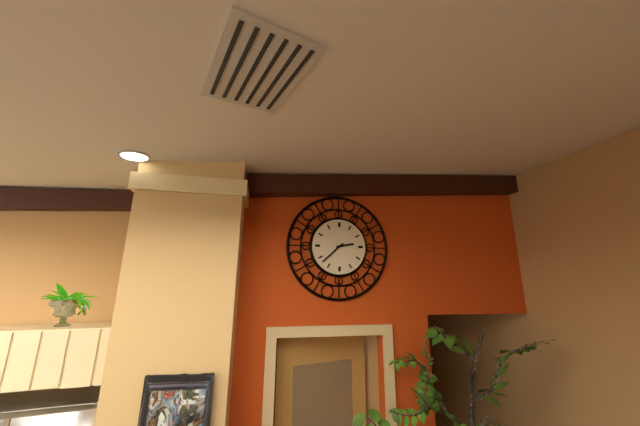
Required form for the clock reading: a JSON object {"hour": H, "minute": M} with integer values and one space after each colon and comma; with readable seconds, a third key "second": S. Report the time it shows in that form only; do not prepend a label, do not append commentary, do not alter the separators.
{"hour": 2, "minute": 38}
